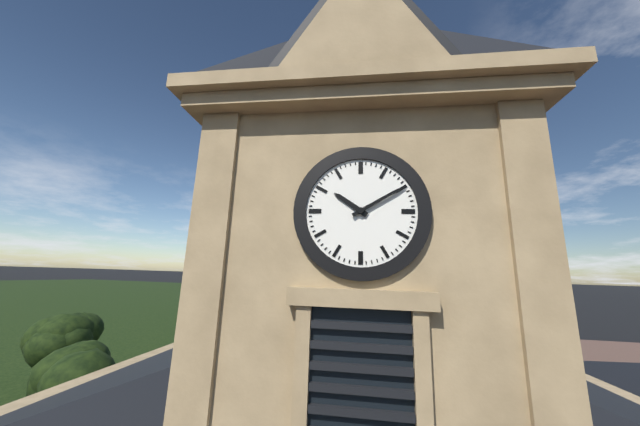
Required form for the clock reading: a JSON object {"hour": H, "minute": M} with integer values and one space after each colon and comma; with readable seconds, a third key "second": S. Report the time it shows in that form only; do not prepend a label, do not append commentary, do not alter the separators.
{"hour": 10, "minute": 10}
